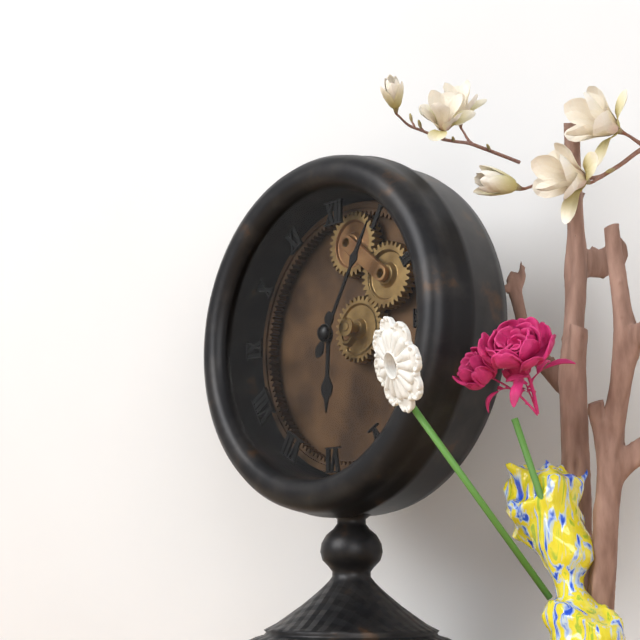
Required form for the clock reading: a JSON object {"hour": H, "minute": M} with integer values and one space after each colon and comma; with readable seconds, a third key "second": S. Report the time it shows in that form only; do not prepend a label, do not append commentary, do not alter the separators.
{"hour": 6, "minute": 5}
